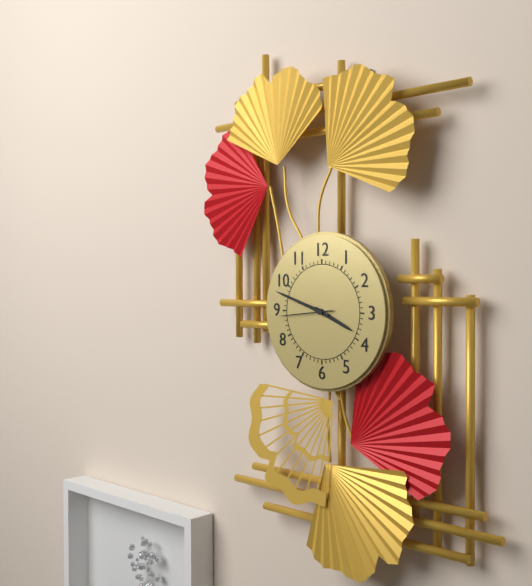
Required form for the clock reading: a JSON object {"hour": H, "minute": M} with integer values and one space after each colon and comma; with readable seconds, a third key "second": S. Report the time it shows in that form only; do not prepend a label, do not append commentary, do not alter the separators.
{"hour": 3, "minute": 48, "second": 44}
